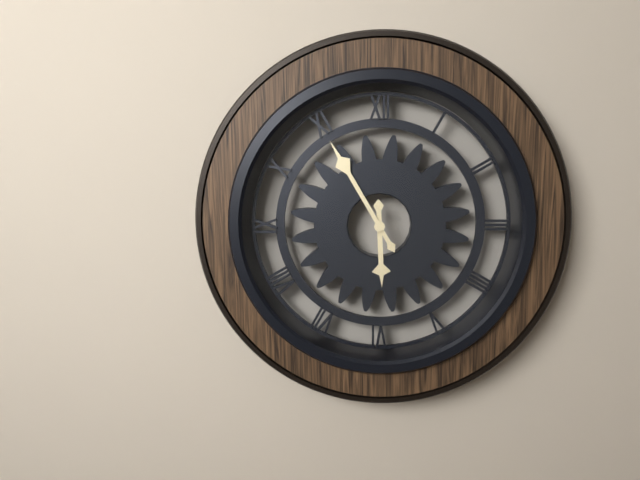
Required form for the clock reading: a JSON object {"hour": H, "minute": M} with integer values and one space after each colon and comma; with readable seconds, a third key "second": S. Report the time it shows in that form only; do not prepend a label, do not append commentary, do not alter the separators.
{"hour": 5, "minute": 55}
